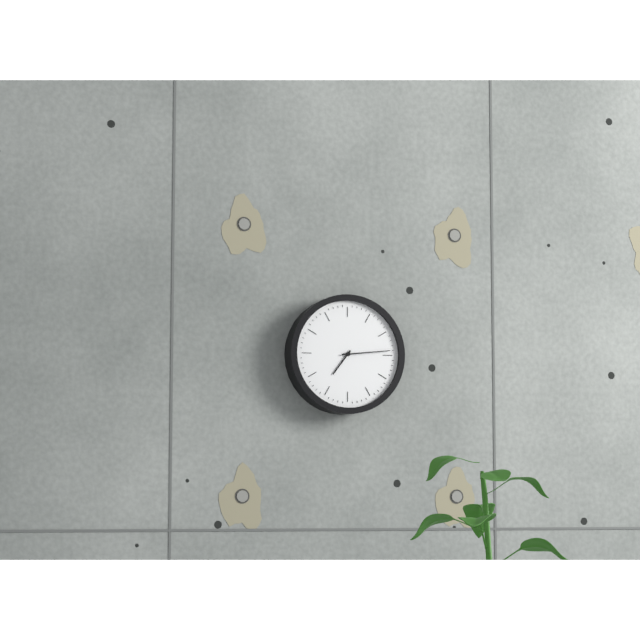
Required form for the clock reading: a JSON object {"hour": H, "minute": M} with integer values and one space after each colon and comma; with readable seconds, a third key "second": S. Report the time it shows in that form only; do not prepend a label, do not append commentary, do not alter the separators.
{"hour": 7, "minute": 14}
